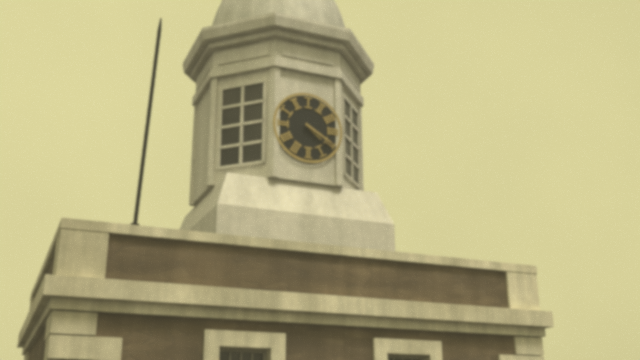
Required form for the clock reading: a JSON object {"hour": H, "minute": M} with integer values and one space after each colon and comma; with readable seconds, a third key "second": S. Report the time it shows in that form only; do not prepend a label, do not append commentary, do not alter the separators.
{"hour": 4, "minute": 20}
